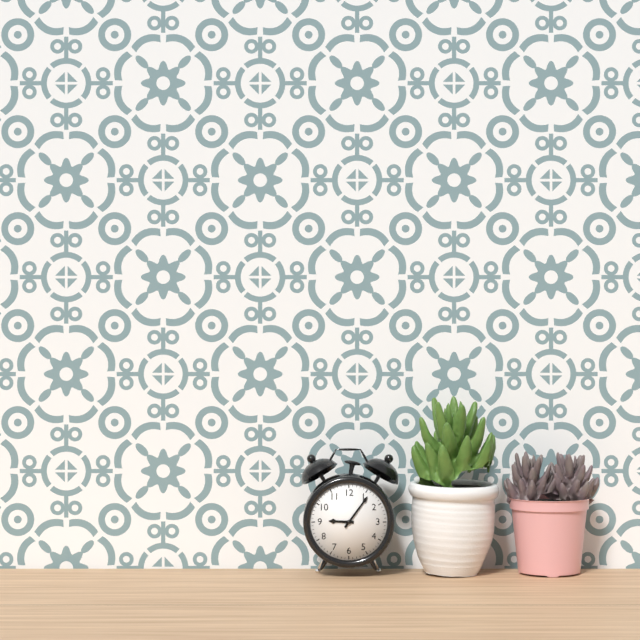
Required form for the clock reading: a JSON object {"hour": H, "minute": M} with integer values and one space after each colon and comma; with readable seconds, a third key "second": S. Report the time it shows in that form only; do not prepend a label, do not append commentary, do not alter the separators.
{"hour": 9, "minute": 6}
